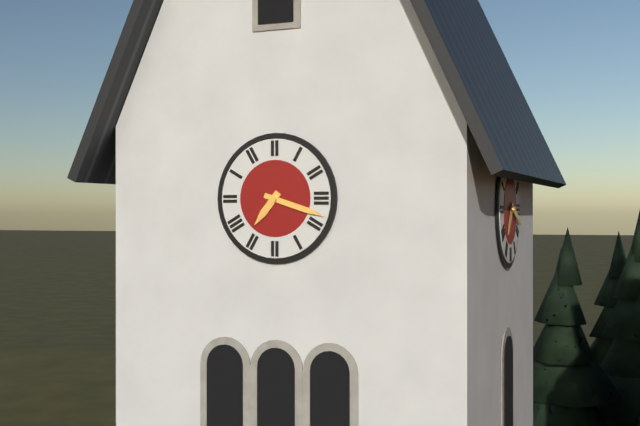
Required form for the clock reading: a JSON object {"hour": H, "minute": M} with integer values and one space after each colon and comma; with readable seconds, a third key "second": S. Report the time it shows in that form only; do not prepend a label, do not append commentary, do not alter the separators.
{"hour": 7, "minute": 18}
